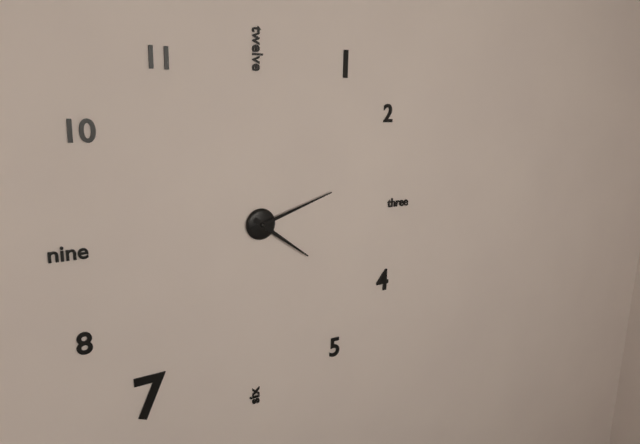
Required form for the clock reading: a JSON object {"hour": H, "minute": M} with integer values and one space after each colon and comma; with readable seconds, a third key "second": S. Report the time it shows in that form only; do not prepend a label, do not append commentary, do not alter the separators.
{"hour": 4, "minute": 12}
